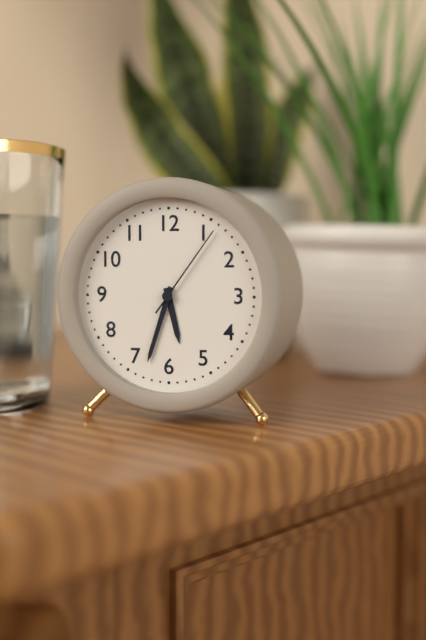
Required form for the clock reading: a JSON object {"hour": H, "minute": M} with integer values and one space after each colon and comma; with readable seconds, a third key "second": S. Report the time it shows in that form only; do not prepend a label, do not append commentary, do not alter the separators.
{"hour": 5, "minute": 33, "second": 6}
